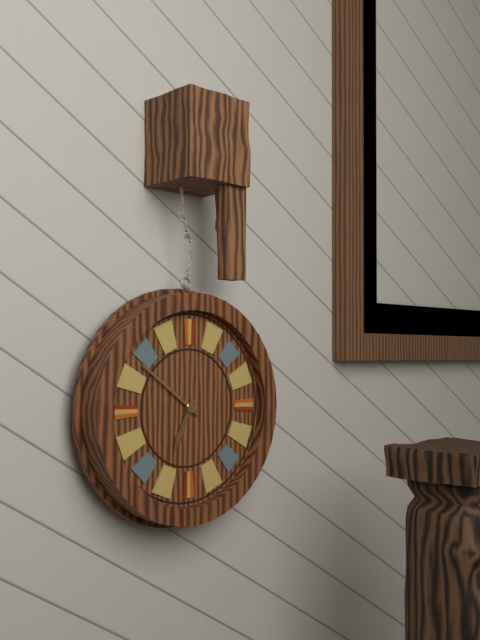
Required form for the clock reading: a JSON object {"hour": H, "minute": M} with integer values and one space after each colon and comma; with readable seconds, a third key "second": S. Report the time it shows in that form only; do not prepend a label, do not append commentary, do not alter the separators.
{"hour": 6, "minute": 51}
